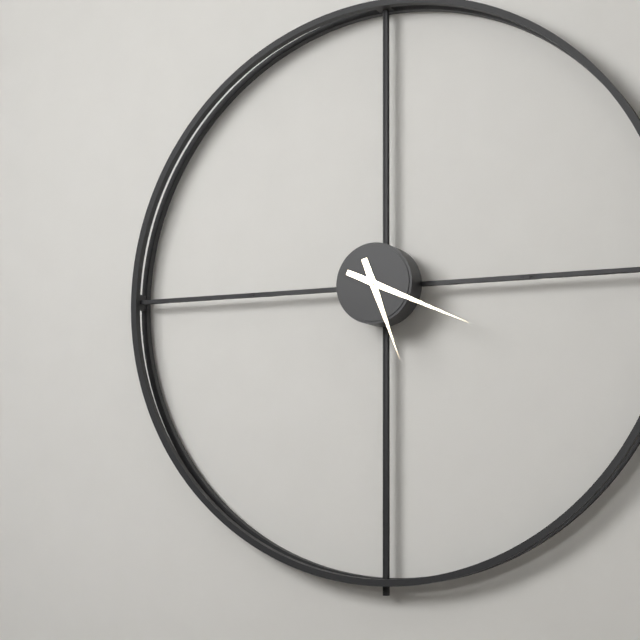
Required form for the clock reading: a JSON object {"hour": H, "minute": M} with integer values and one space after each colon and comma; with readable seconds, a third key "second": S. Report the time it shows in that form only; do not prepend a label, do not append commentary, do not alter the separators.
{"hour": 5, "minute": 19}
